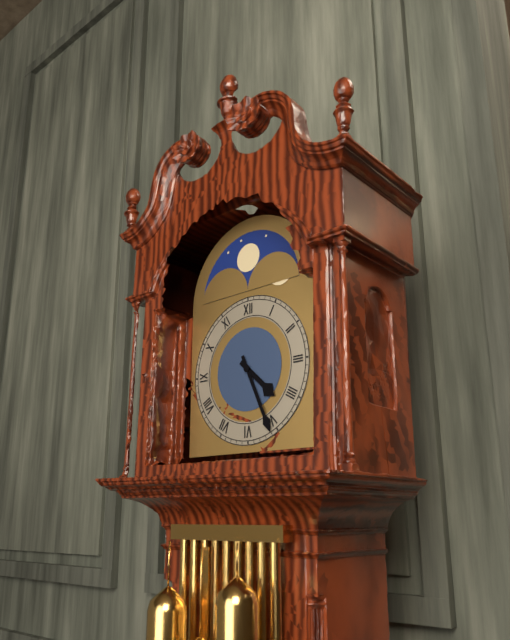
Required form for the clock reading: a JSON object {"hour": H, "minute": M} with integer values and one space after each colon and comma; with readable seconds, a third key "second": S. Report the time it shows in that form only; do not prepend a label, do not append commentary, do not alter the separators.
{"hour": 4, "minute": 26}
